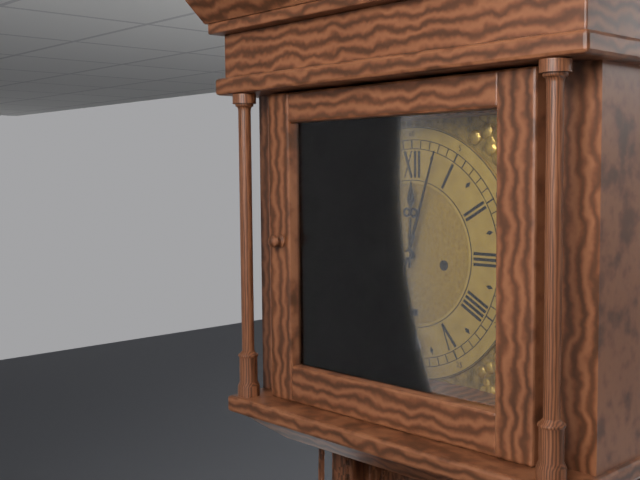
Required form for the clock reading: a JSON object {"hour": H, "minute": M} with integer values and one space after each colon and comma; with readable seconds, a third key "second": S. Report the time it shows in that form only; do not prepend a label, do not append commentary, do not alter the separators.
{"hour": 12, "minute": 3}
